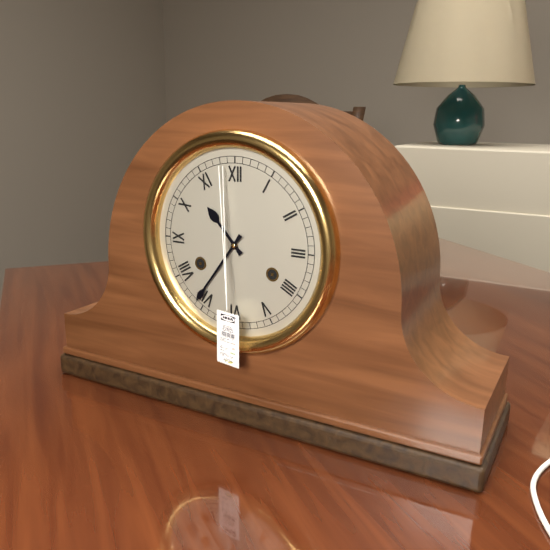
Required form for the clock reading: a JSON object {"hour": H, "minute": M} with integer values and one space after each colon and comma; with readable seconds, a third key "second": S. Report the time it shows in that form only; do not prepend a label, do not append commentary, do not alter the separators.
{"hour": 10, "minute": 36}
